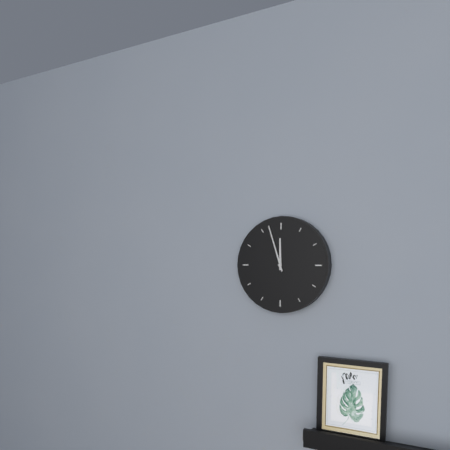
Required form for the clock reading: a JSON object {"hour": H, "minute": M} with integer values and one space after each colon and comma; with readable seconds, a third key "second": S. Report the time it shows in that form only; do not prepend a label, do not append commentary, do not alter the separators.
{"hour": 11, "minute": 57}
